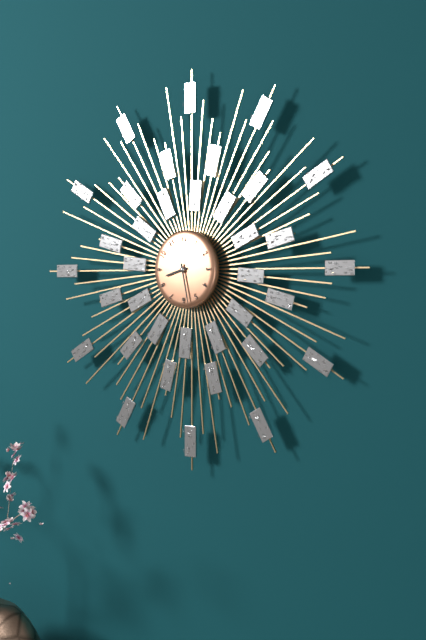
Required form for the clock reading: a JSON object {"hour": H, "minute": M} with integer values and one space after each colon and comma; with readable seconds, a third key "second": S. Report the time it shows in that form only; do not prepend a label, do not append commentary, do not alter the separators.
{"hour": 8, "minute": 28}
